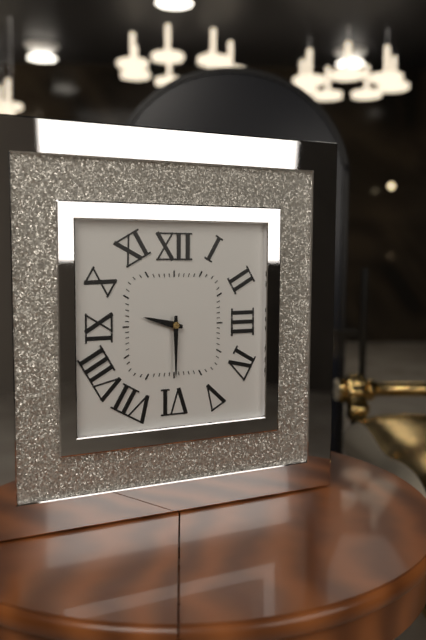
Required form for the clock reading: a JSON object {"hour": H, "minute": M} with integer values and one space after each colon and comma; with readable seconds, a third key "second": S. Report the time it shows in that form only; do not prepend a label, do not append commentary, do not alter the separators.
{"hour": 9, "minute": 30}
